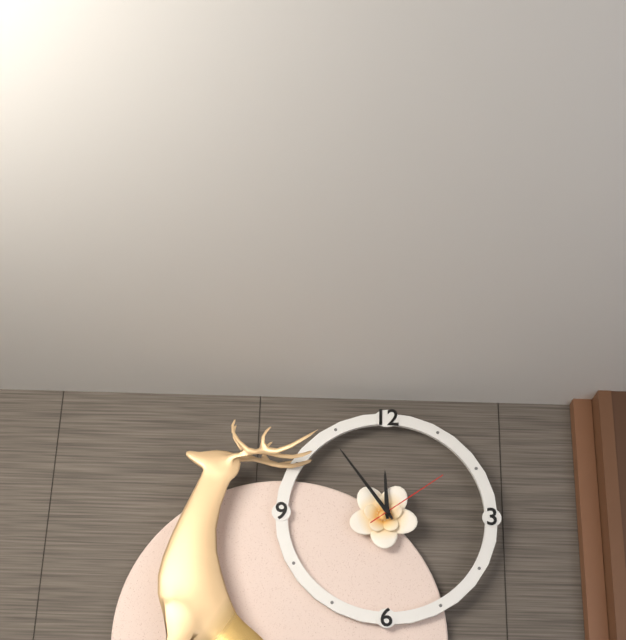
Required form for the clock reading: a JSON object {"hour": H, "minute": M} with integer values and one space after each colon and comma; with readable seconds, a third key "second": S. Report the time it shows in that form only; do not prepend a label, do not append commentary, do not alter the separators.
{"hour": 11, "minute": 54, "second": 9}
